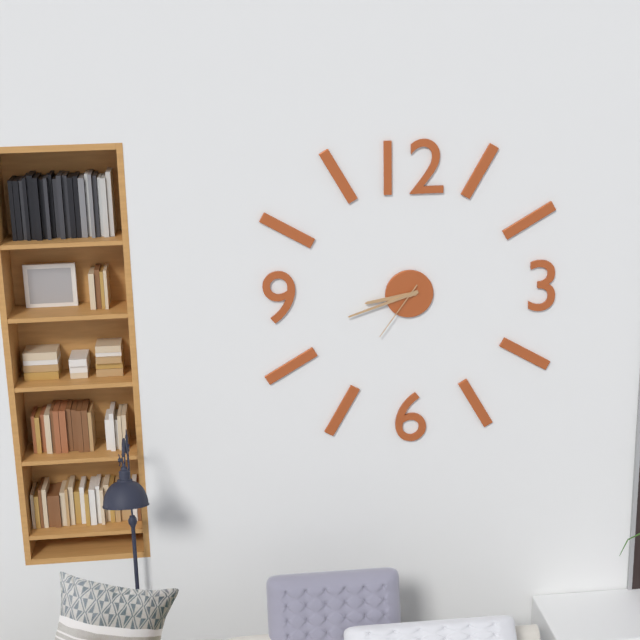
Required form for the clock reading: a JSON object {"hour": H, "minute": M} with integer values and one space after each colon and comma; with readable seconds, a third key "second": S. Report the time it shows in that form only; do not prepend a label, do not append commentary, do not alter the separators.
{"hour": 8, "minute": 42, "second": 36}
